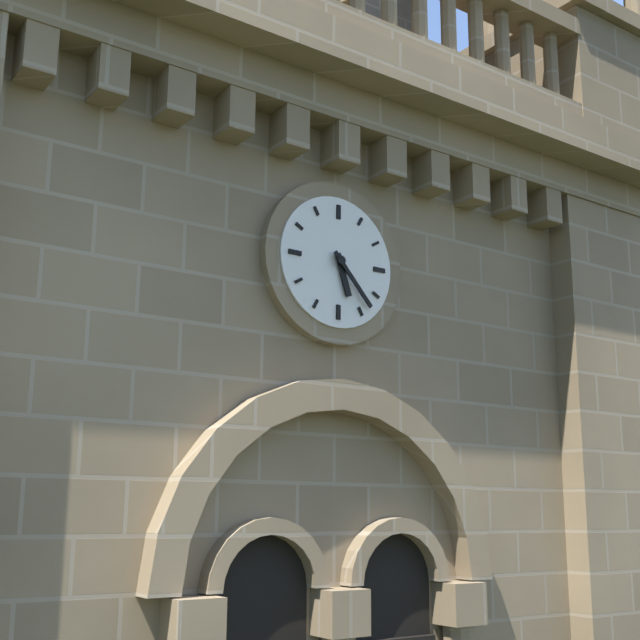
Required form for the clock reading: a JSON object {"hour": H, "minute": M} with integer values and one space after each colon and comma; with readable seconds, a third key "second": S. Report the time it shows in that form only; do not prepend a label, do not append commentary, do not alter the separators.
{"hour": 5, "minute": 23}
